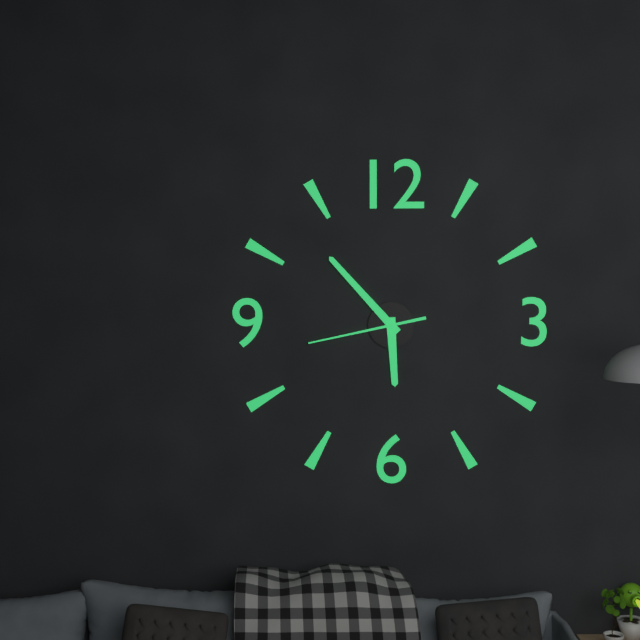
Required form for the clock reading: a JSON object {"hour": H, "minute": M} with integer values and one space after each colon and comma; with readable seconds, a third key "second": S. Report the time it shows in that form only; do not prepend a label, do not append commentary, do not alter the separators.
{"hour": 5, "minute": 53, "second": 43}
